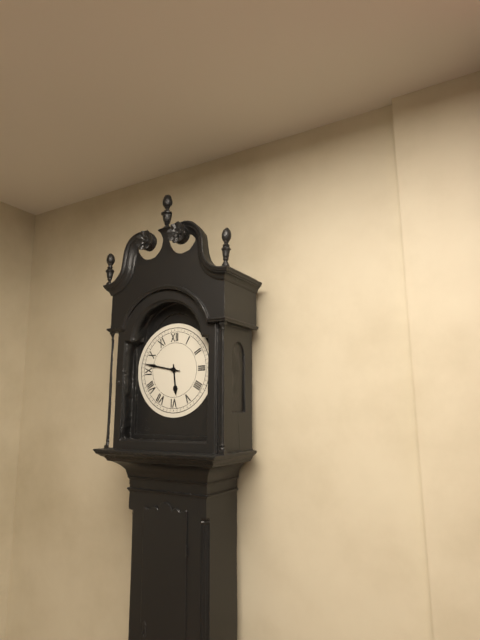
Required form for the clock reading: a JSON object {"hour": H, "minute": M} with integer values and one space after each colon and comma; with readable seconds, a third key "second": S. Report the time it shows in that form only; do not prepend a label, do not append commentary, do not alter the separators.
{"hour": 5, "minute": 47}
